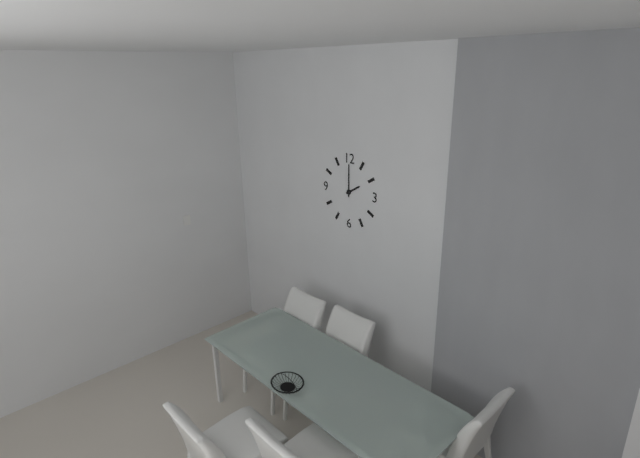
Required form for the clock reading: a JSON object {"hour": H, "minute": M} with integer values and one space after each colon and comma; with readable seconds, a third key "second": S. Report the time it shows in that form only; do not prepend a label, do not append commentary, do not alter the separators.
{"hour": 2, "minute": 0}
